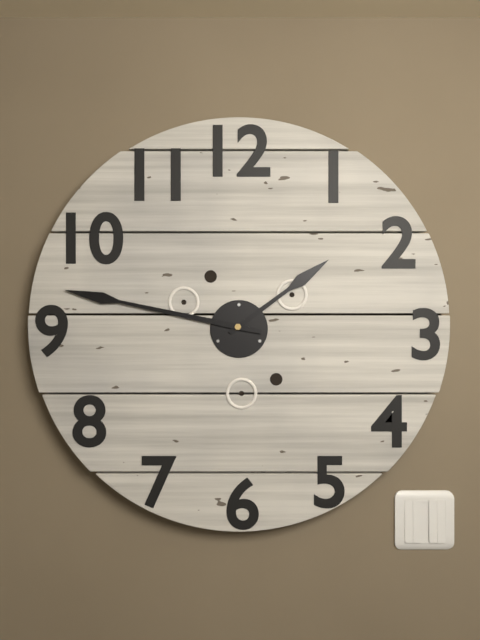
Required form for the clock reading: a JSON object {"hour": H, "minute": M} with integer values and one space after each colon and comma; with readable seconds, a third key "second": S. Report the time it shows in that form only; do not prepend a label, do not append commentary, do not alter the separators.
{"hour": 1, "minute": 47}
